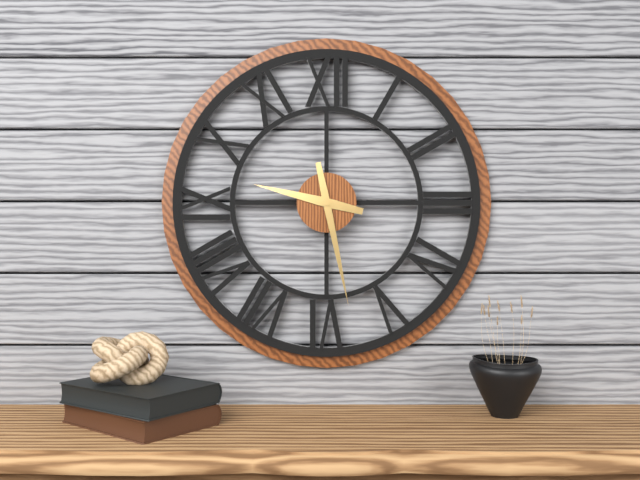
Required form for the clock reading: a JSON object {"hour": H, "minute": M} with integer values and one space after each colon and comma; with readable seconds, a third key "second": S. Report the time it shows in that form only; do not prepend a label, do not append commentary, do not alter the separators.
{"hour": 9, "minute": 28}
